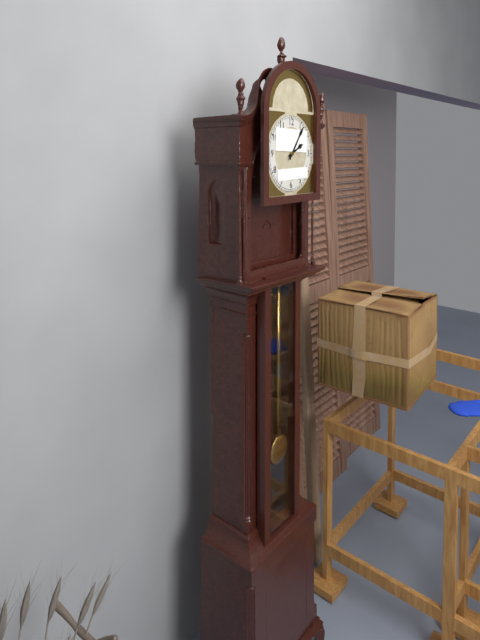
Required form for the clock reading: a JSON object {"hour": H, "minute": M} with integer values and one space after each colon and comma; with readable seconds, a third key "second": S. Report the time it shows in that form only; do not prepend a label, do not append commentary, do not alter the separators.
{"hour": 2, "minute": 6}
